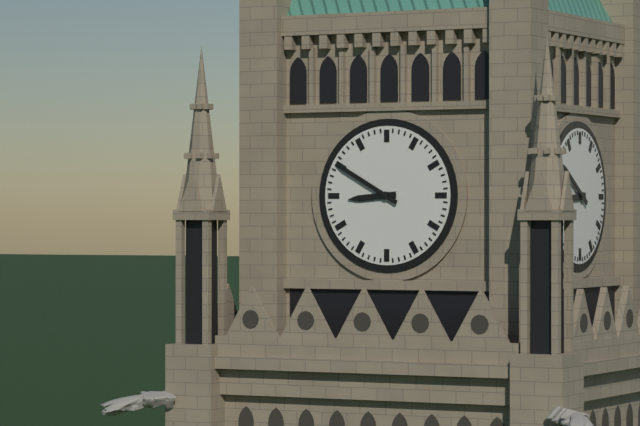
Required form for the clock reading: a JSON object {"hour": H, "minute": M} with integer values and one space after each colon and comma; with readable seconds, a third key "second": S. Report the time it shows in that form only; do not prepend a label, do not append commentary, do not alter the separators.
{"hour": 8, "minute": 50}
